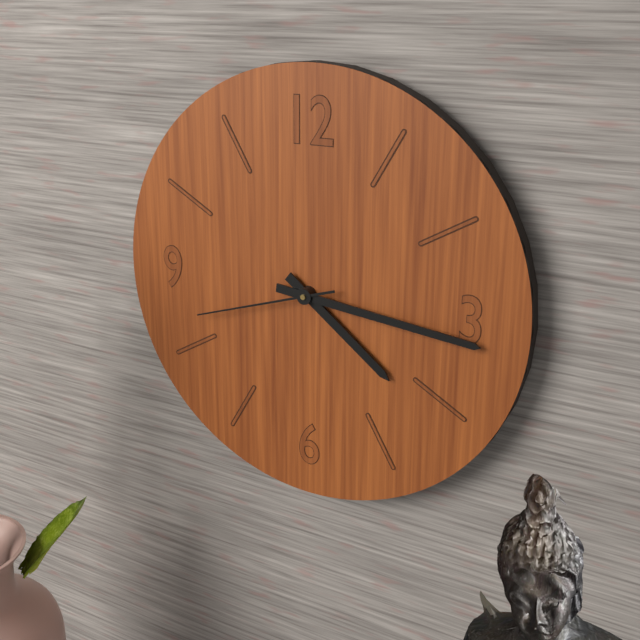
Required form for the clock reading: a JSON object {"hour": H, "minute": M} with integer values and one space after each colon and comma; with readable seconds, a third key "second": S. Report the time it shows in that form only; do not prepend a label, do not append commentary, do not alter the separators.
{"hour": 4, "minute": 16, "second": 42}
